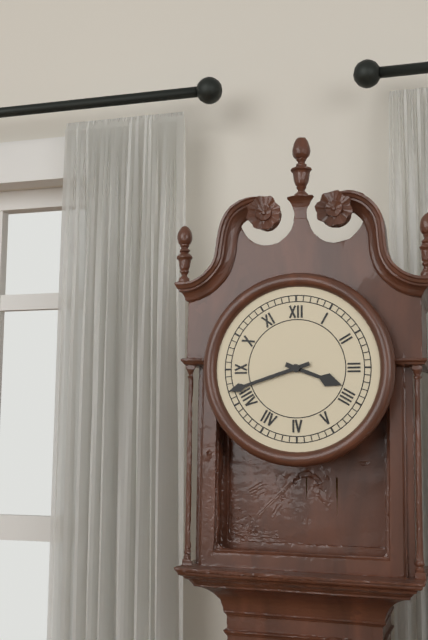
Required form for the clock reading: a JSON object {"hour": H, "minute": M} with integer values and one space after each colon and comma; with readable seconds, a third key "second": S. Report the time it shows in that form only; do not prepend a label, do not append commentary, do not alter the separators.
{"hour": 3, "minute": 42}
